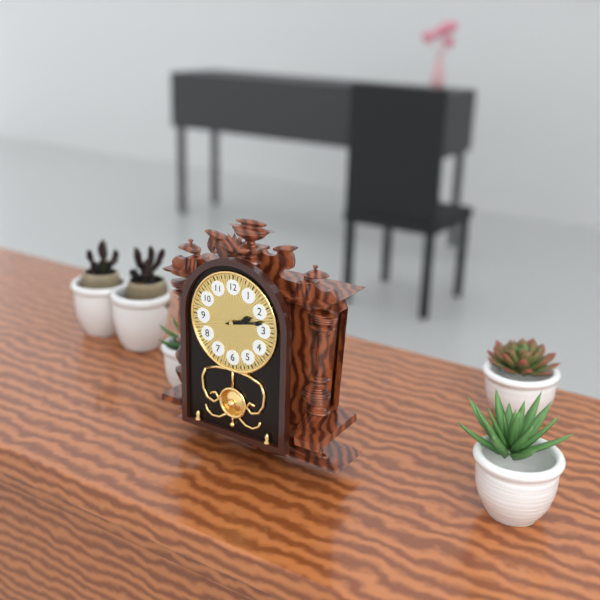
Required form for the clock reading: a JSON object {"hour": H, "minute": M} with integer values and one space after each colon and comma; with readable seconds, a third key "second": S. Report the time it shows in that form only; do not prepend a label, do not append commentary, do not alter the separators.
{"hour": 2, "minute": 13}
